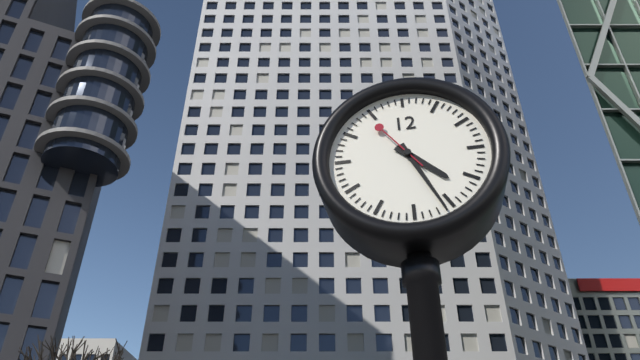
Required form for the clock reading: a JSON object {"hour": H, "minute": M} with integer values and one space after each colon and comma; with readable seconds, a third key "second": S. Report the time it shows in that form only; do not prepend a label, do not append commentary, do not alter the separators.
{"hour": 4, "minute": 26, "second": 54}
